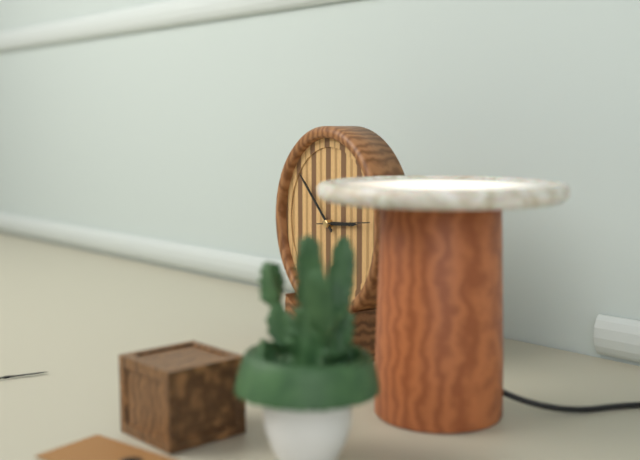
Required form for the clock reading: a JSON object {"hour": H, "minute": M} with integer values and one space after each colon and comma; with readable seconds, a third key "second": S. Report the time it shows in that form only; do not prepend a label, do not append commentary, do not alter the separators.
{"hour": 2, "minute": 52, "second": 14}
